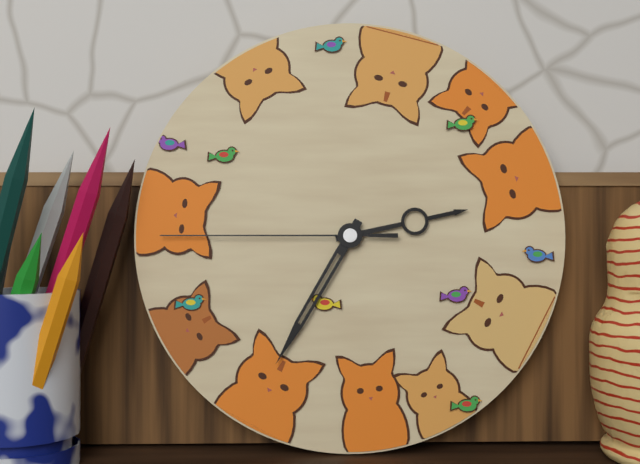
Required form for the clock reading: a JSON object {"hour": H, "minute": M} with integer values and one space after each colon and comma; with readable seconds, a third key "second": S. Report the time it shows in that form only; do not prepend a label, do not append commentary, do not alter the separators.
{"hour": 2, "minute": 35, "second": 45}
